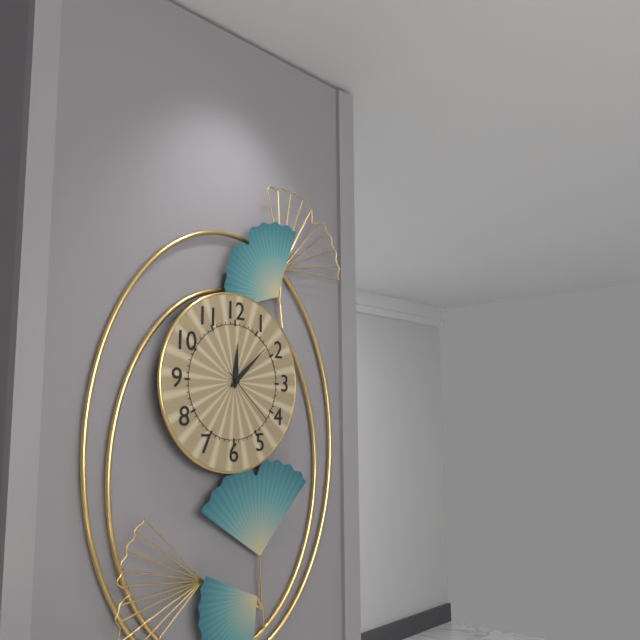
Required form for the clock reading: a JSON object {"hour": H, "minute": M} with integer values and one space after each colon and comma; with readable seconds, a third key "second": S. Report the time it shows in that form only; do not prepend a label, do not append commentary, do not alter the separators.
{"hour": 12, "minute": 8, "second": 22}
